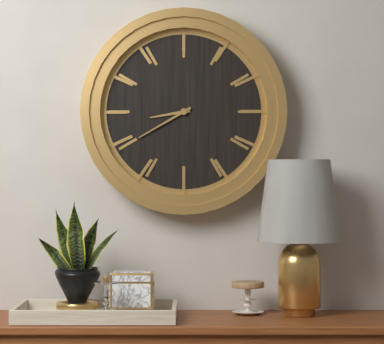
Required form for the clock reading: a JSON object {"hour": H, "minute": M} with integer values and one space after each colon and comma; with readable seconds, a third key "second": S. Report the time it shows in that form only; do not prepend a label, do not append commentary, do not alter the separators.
{"hour": 8, "minute": 40}
